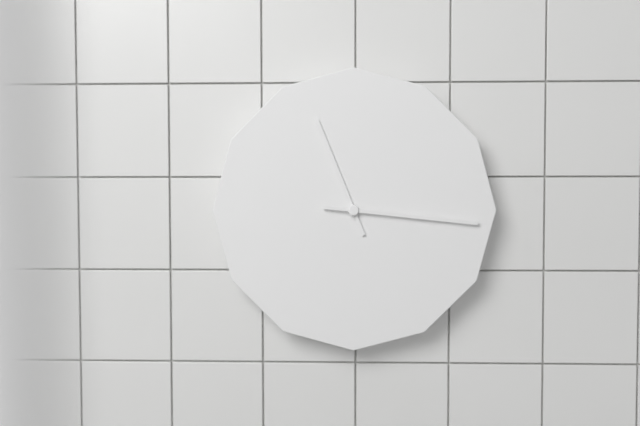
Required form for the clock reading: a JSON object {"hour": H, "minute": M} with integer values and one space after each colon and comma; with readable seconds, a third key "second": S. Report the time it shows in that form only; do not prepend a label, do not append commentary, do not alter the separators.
{"hour": 11, "minute": 16}
